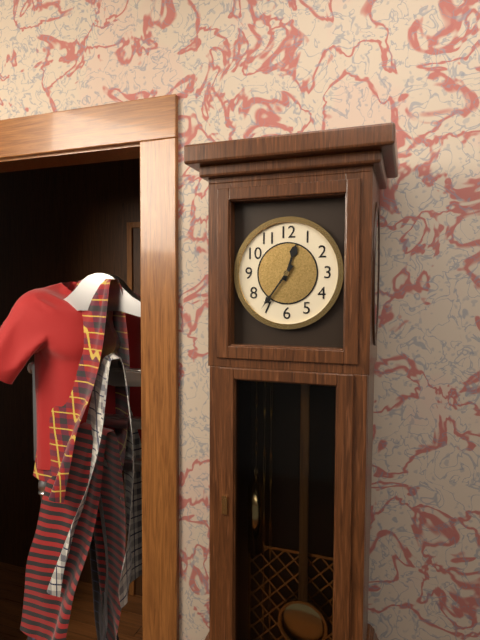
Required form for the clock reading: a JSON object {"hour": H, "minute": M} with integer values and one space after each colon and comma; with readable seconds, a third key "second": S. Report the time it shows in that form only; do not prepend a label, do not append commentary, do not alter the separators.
{"hour": 12, "minute": 36}
